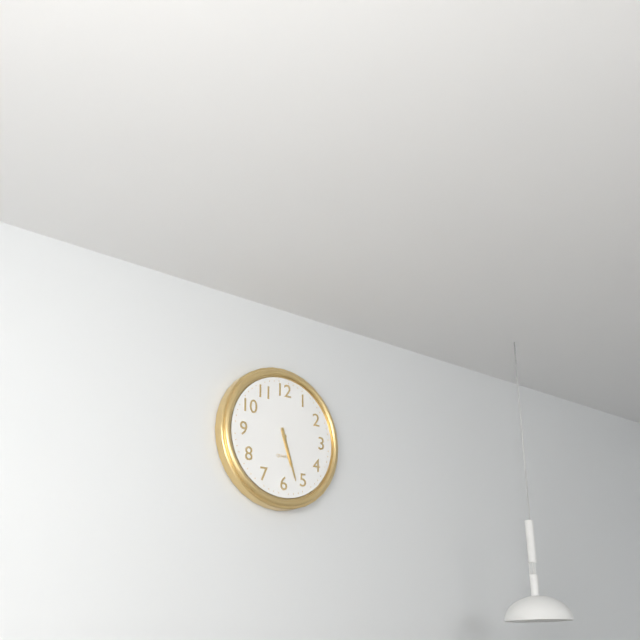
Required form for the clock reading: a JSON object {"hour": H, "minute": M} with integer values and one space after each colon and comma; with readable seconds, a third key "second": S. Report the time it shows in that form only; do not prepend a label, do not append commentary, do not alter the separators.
{"hour": 5, "minute": 27}
